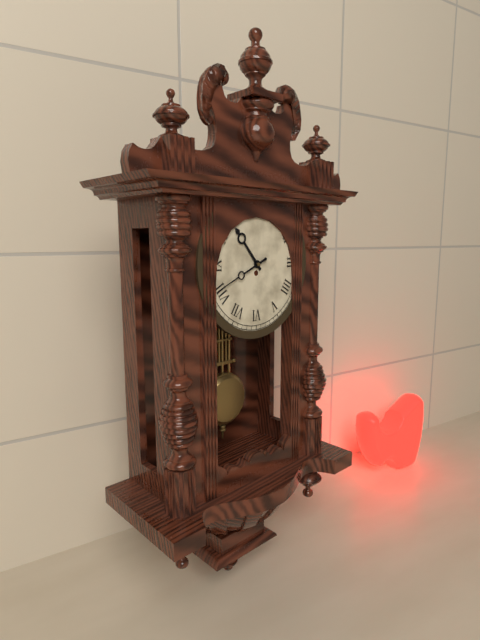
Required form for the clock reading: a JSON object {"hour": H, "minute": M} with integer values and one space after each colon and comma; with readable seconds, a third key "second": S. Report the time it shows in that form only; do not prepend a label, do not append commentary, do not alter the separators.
{"hour": 10, "minute": 41}
